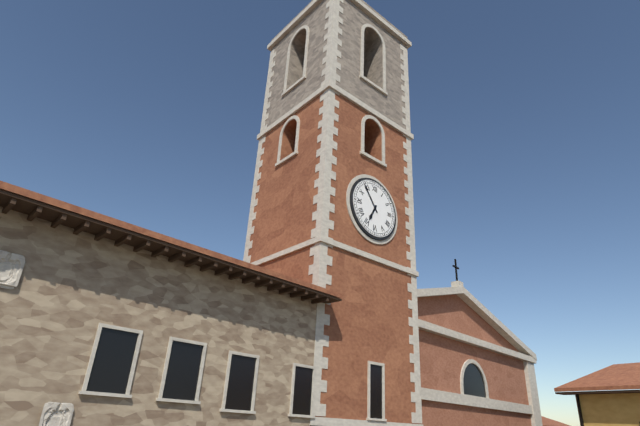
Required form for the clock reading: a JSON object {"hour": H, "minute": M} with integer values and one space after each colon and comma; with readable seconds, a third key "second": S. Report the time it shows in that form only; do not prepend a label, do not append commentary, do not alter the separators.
{"hour": 6, "minute": 54}
